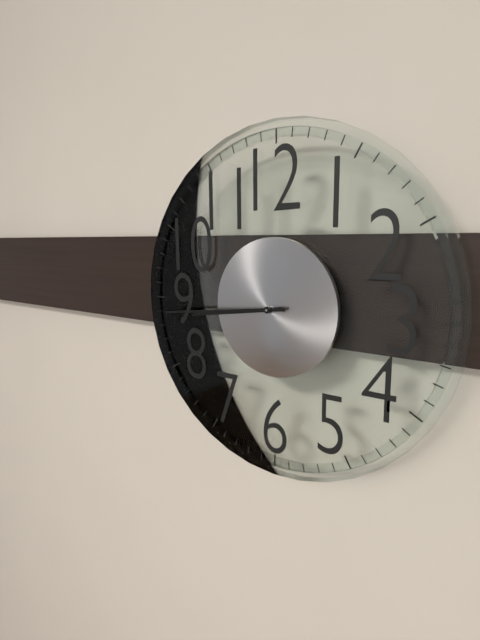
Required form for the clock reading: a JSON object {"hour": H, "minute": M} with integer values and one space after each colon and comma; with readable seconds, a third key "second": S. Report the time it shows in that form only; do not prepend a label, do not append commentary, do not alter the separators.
{"hour": 8, "minute": 44}
